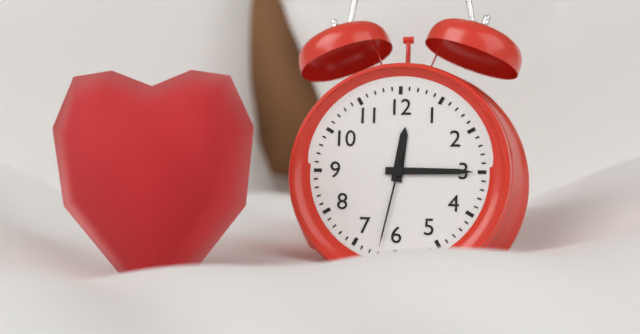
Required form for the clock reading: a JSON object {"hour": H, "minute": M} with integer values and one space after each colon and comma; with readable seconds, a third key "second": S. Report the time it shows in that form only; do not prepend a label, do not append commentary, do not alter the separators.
{"hour": 12, "minute": 15, "second": 32}
